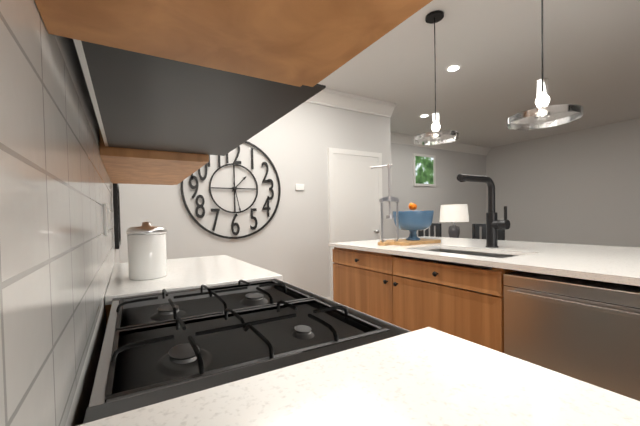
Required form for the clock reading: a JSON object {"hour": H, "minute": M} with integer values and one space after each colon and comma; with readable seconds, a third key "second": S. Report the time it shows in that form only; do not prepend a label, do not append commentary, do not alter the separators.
{"hour": 1, "minute": 28}
